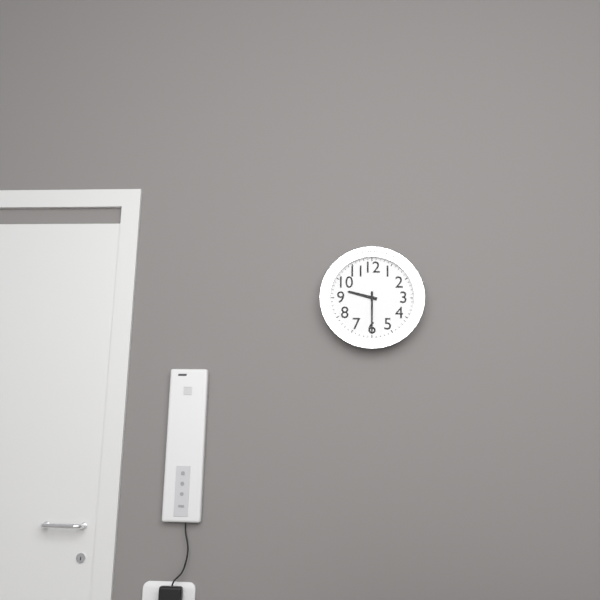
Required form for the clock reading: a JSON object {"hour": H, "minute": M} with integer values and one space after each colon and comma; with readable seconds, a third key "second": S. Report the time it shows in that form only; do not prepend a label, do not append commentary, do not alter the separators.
{"hour": 9, "minute": 30}
